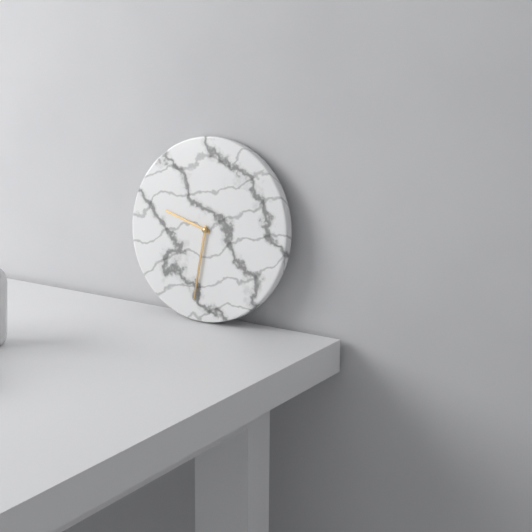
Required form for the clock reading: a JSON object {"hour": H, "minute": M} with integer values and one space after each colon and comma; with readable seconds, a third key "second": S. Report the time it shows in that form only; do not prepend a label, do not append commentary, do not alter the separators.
{"hour": 9, "minute": 31}
